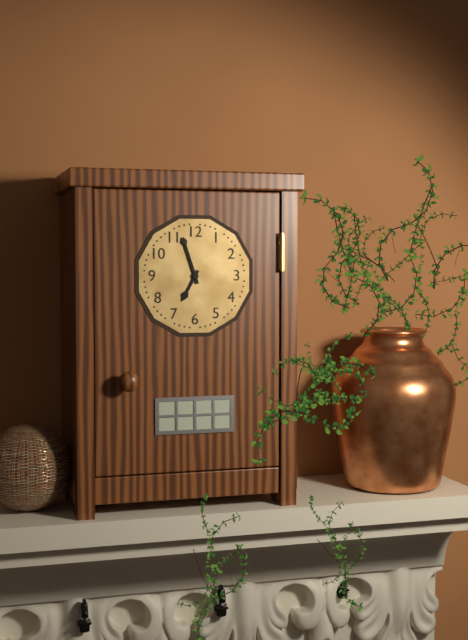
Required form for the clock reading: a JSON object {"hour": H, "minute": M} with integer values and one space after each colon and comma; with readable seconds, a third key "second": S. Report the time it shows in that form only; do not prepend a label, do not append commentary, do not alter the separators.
{"hour": 6, "minute": 57}
